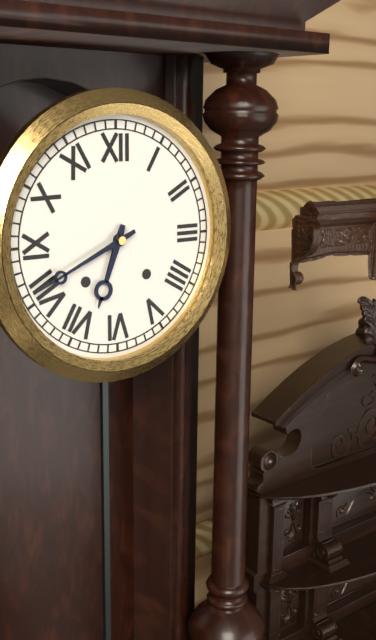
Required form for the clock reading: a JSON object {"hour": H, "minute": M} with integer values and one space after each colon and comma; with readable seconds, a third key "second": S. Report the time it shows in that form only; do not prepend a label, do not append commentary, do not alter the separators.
{"hour": 6, "minute": 41}
